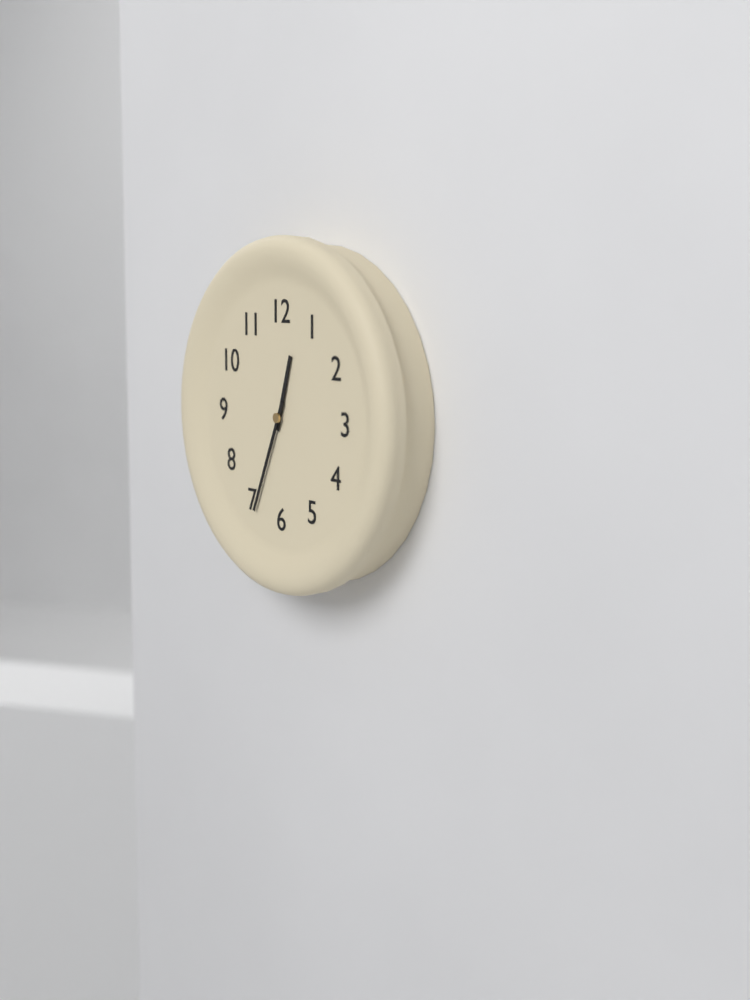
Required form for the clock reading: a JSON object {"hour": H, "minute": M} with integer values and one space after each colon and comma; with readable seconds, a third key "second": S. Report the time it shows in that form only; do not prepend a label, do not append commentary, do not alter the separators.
{"hour": 12, "minute": 34}
